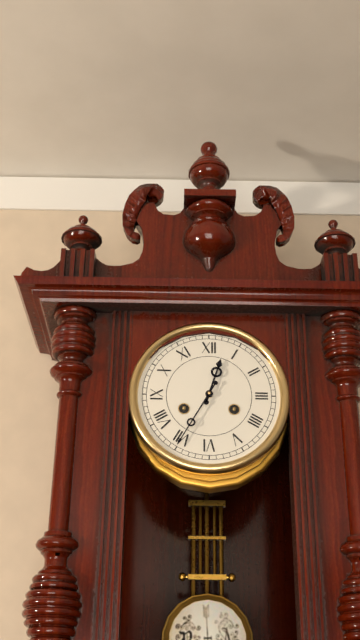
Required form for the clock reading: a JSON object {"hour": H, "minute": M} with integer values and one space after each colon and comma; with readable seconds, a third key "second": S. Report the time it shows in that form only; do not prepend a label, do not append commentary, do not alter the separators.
{"hour": 12, "minute": 35}
